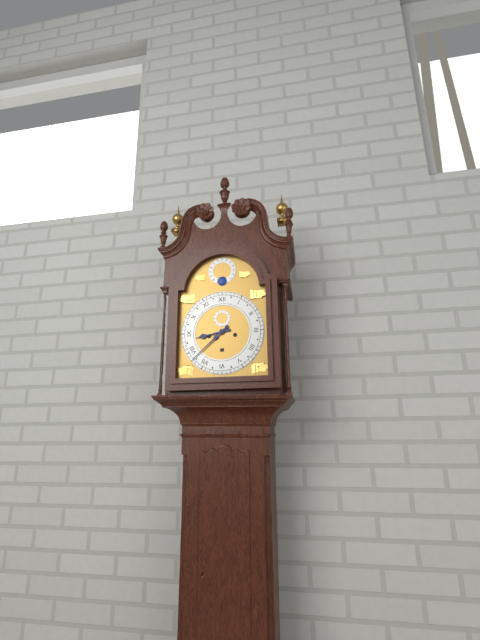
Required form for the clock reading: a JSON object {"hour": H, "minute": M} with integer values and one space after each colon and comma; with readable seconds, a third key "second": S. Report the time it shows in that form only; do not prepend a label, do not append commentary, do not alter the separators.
{"hour": 8, "minute": 38}
